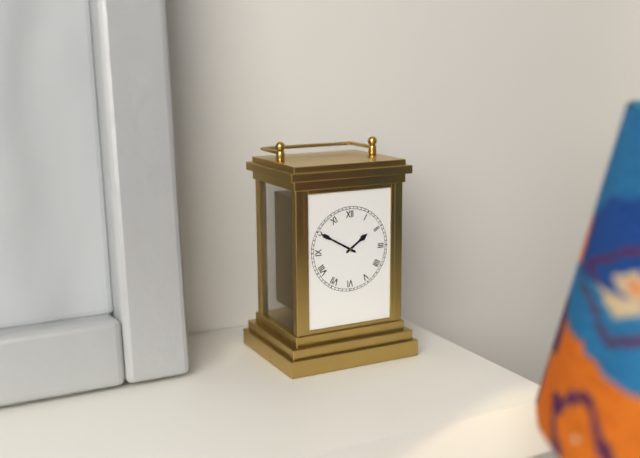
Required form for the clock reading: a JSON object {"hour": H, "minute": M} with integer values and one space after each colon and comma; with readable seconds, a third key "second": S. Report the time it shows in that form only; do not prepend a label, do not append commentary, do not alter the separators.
{"hour": 1, "minute": 50}
